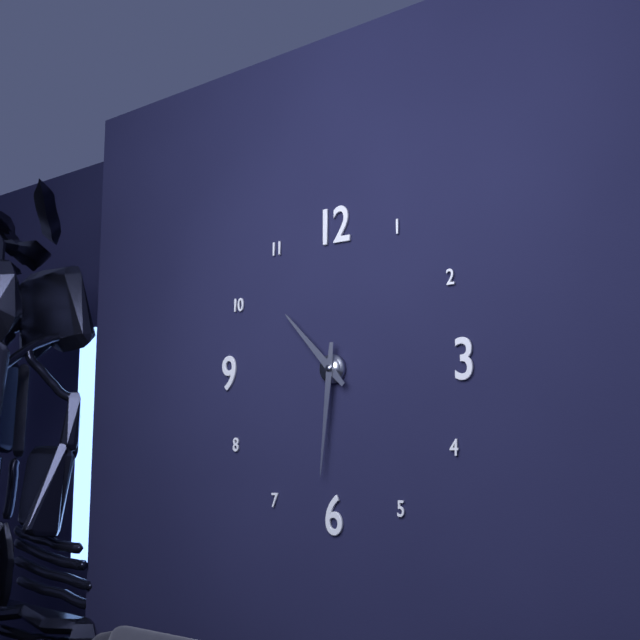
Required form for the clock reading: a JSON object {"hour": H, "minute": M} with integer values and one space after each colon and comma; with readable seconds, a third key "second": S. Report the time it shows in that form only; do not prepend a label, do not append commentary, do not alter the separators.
{"hour": 10, "minute": 31}
